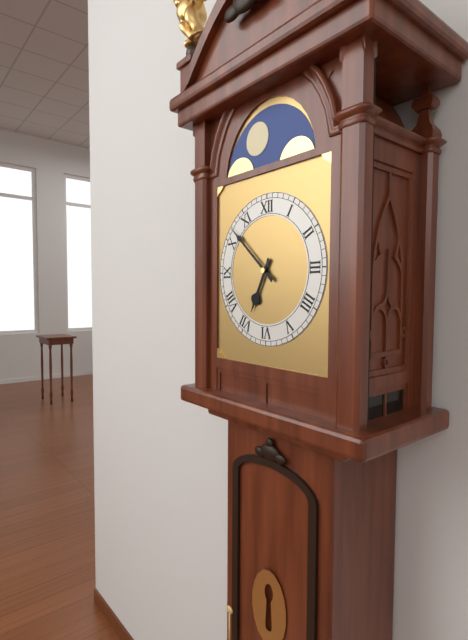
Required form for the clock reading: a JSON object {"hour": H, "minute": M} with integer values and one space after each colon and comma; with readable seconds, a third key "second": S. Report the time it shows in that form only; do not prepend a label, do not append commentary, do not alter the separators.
{"hour": 6, "minute": 52}
